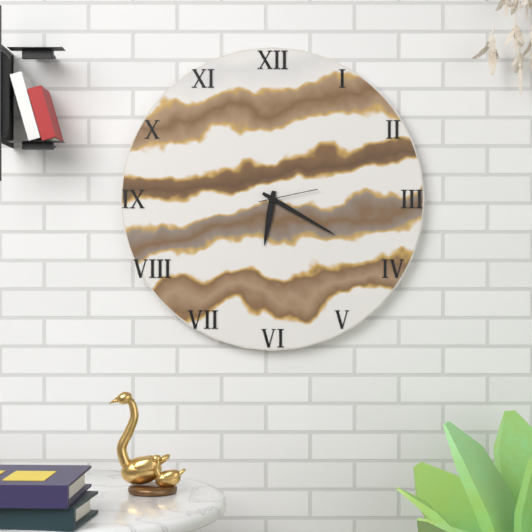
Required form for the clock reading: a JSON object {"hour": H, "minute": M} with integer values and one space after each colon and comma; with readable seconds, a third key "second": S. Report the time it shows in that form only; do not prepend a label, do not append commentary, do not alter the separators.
{"hour": 6, "minute": 20, "second": 13}
